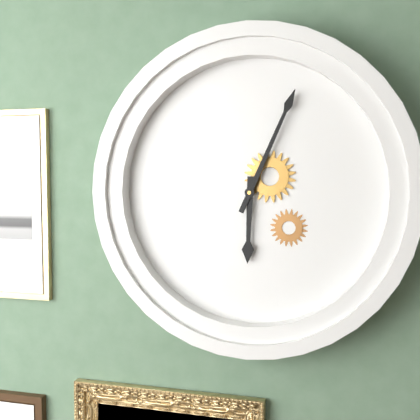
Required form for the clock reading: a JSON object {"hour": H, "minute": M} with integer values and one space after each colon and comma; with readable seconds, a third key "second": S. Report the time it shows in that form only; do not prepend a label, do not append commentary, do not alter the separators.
{"hour": 6, "minute": 4}
